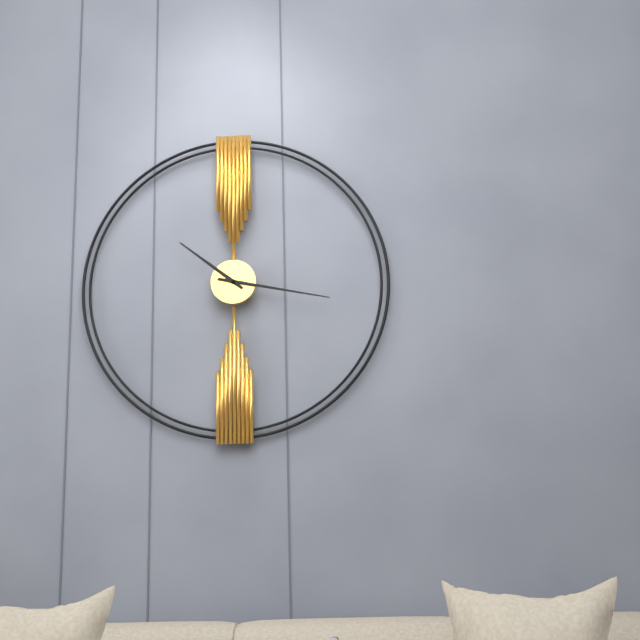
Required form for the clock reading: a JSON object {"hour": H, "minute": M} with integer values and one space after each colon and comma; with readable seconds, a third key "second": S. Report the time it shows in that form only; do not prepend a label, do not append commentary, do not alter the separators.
{"hour": 10, "minute": 17}
